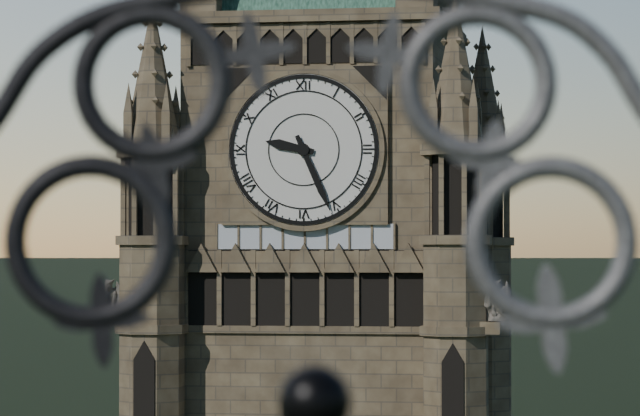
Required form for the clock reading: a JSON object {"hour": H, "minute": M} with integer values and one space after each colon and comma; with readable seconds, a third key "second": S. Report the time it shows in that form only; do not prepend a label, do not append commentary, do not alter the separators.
{"hour": 9, "minute": 26}
